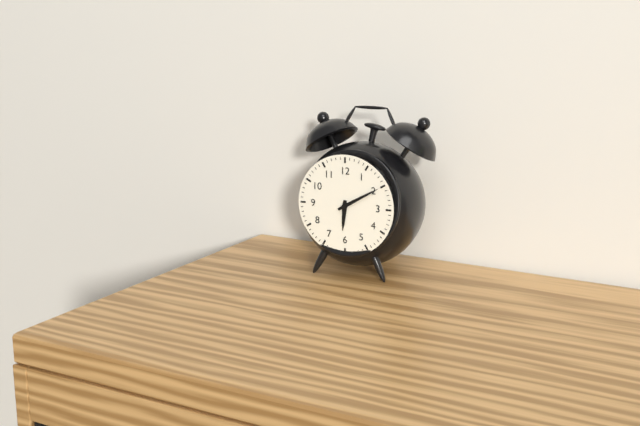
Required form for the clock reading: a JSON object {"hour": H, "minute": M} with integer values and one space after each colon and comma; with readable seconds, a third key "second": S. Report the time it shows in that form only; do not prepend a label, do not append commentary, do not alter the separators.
{"hour": 6, "minute": 10}
